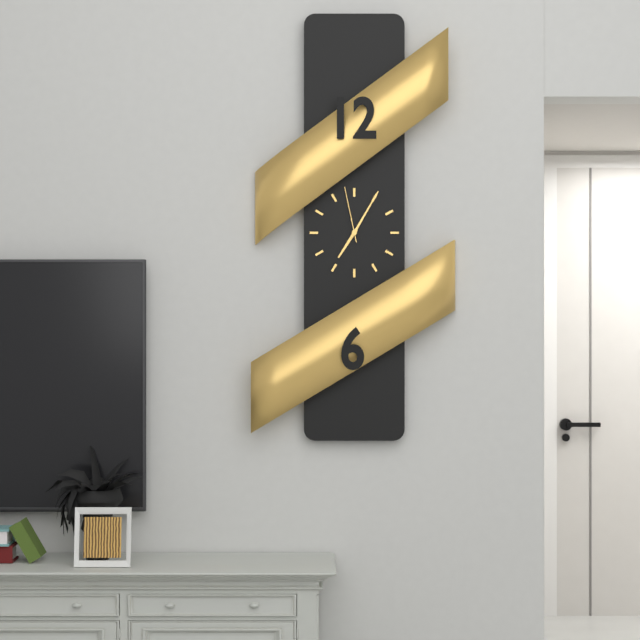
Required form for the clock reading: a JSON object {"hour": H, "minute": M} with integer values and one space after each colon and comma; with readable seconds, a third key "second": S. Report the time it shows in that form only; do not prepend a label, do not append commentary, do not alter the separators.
{"hour": 7, "minute": 5, "second": 58}
